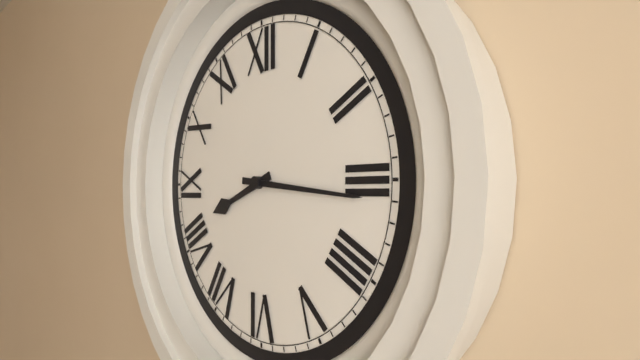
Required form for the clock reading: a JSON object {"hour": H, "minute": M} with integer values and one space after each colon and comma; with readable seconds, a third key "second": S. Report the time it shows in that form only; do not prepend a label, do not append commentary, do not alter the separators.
{"hour": 8, "minute": 16}
